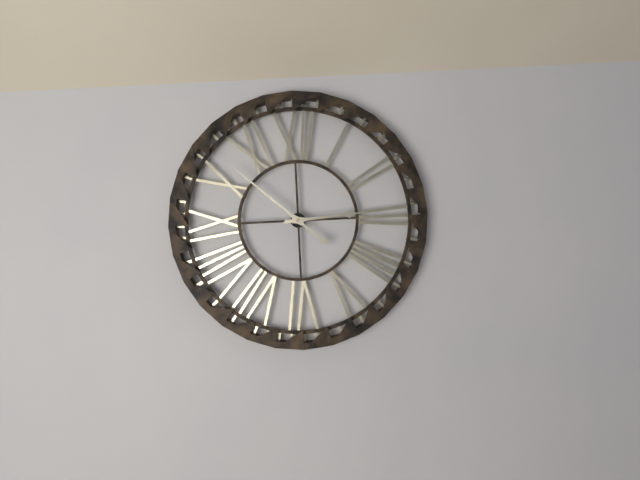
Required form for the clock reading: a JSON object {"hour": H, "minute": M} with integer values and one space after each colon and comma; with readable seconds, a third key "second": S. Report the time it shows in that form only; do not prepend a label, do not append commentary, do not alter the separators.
{"hour": 2, "minute": 52}
